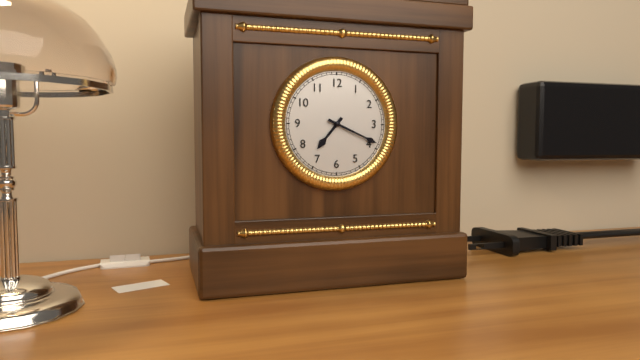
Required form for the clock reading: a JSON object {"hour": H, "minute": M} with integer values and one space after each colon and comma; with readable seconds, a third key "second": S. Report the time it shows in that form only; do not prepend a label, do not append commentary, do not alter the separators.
{"hour": 7, "minute": 19}
